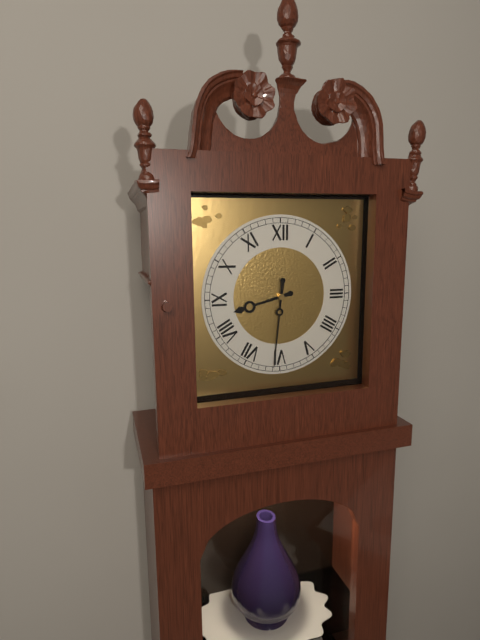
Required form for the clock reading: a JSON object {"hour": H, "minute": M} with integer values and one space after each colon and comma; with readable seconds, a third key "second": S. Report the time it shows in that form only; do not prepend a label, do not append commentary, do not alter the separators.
{"hour": 8, "minute": 31}
